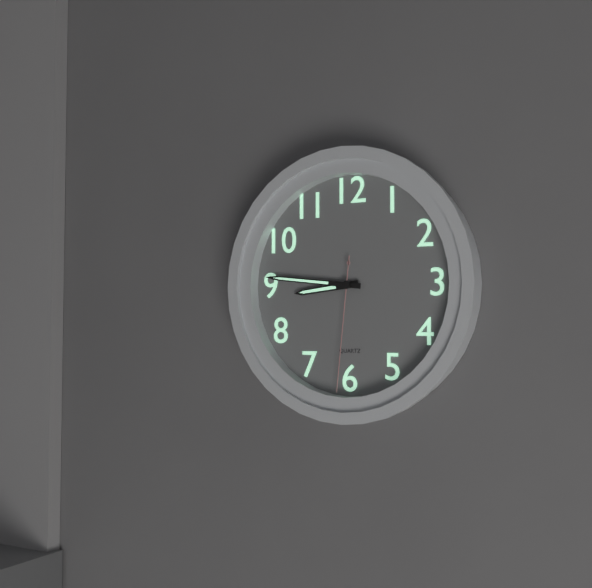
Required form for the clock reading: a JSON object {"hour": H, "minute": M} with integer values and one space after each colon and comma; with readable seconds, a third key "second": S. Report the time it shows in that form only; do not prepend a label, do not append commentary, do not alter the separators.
{"hour": 8, "minute": 46, "second": 31}
